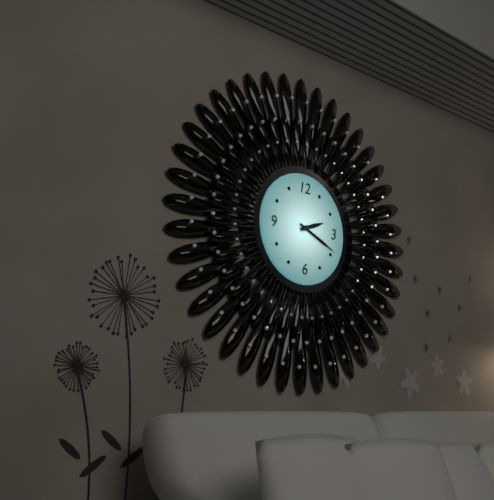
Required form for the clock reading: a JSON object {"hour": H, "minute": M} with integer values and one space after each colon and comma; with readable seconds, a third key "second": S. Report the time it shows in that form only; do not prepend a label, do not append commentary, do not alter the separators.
{"hour": 2, "minute": 19}
